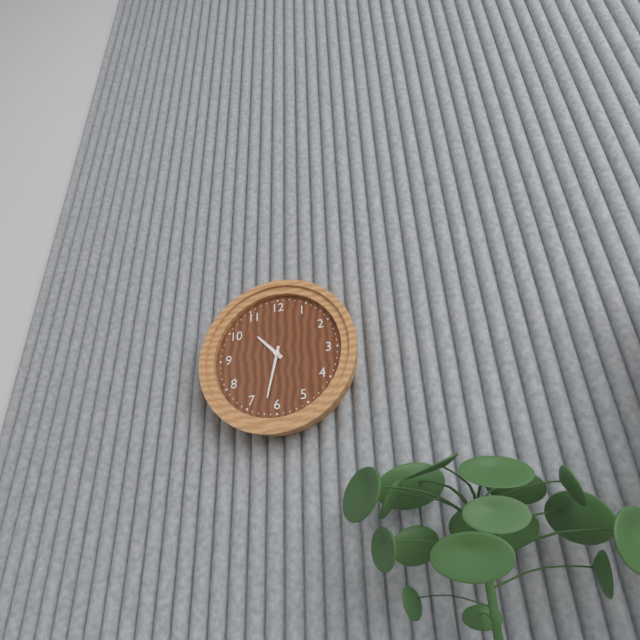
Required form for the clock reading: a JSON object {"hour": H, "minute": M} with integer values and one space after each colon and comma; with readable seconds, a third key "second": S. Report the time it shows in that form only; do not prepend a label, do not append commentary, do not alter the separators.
{"hour": 10, "minute": 32}
